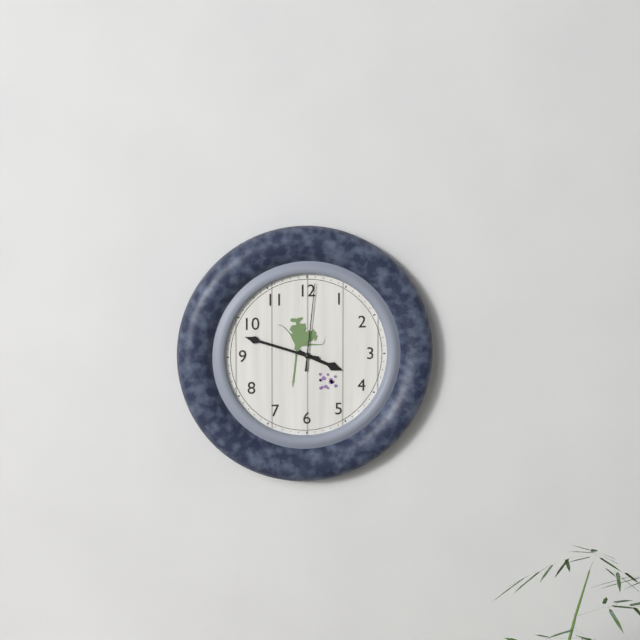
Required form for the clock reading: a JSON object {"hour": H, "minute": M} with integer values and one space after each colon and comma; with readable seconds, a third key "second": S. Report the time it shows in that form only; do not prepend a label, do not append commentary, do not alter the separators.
{"hour": 3, "minute": 48, "second": 1}
